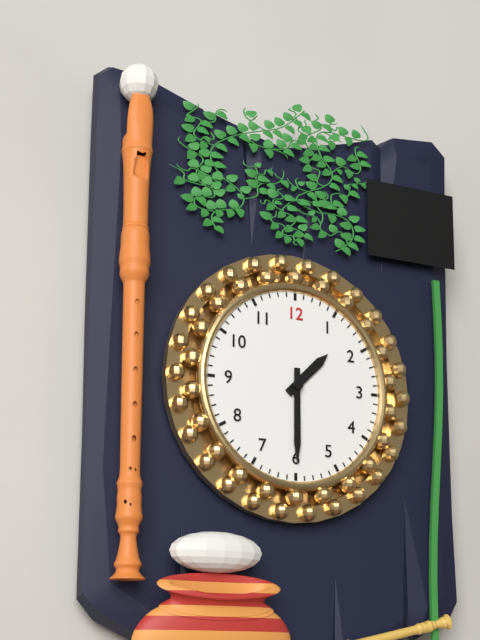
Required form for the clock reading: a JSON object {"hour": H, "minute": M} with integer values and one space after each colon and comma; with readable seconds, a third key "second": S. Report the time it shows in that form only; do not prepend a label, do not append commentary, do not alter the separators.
{"hour": 1, "minute": 30}
